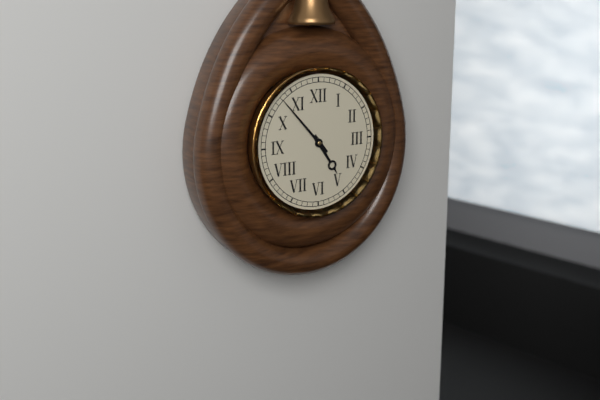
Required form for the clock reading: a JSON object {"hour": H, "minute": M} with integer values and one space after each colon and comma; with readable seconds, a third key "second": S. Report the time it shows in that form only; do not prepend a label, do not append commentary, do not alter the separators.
{"hour": 4, "minute": 53}
